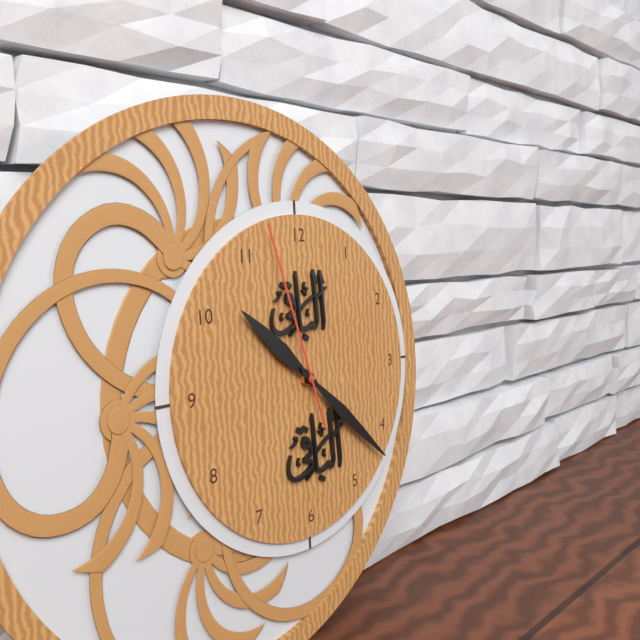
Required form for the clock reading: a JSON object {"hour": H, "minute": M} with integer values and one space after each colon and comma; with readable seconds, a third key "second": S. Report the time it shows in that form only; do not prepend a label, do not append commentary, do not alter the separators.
{"hour": 10, "minute": 22, "second": 57}
